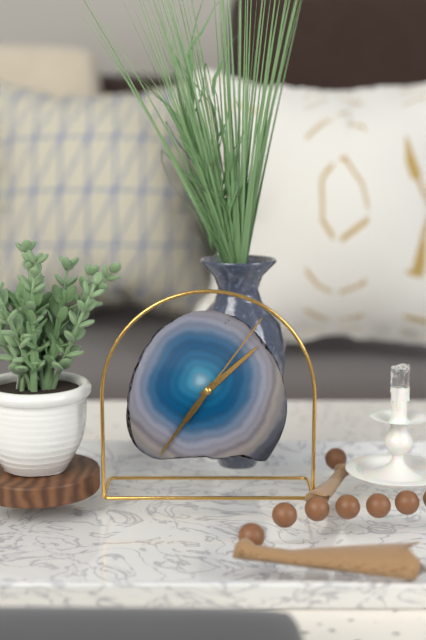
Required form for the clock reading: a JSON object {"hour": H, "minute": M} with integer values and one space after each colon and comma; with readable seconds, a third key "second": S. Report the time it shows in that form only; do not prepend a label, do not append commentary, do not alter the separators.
{"hour": 1, "minute": 36, "second": 6}
